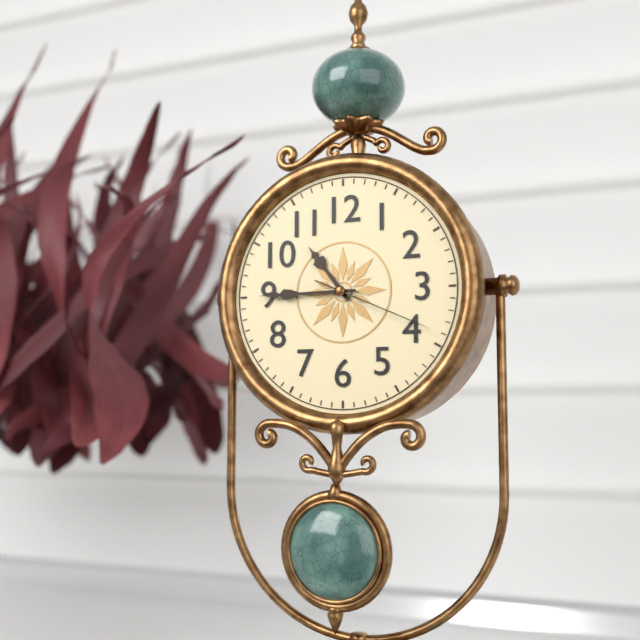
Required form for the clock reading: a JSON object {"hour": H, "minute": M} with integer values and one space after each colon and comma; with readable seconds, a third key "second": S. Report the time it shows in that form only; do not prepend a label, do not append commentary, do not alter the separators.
{"hour": 10, "minute": 45, "second": 19}
